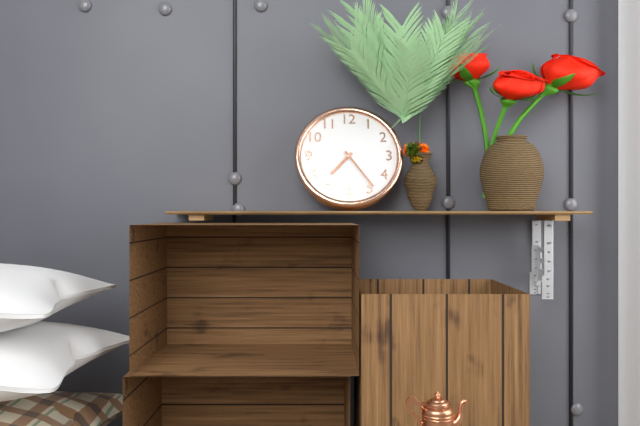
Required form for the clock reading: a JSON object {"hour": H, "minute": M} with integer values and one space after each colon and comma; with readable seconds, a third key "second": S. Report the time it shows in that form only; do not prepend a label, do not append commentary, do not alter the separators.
{"hour": 7, "minute": 24}
